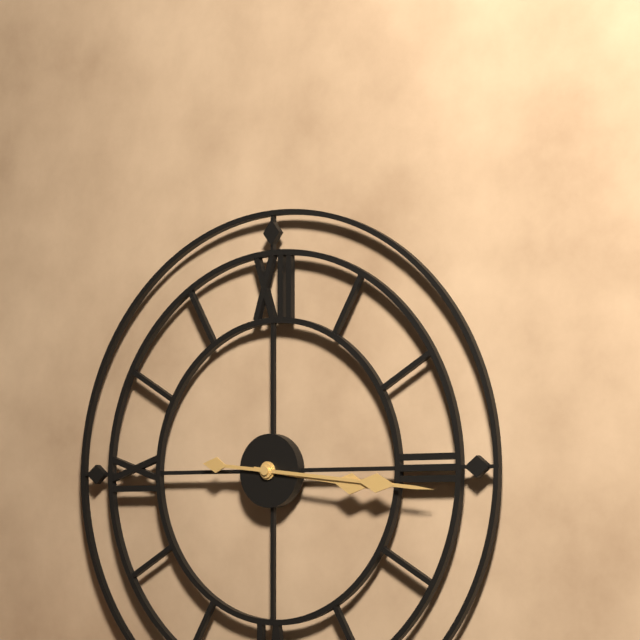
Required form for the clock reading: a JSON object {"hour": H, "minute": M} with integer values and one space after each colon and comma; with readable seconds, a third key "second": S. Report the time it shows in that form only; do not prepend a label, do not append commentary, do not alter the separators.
{"hour": 3, "minute": 16}
